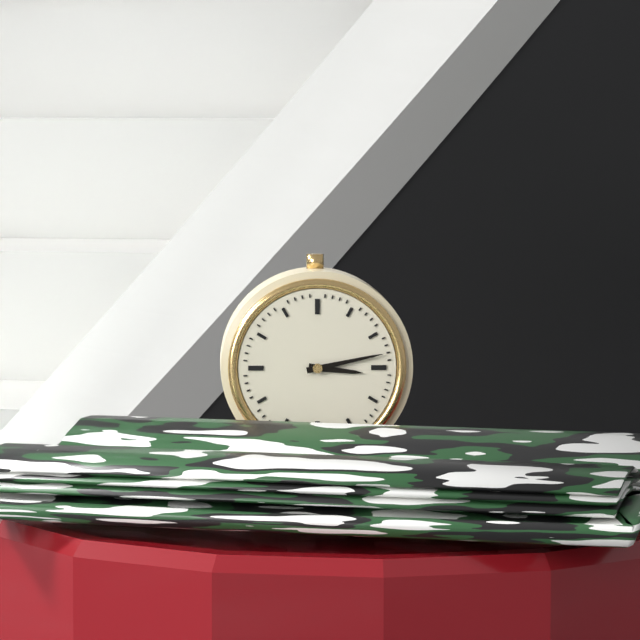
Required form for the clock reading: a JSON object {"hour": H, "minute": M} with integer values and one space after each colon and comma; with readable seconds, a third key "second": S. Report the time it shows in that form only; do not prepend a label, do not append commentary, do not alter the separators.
{"hour": 3, "minute": 13}
